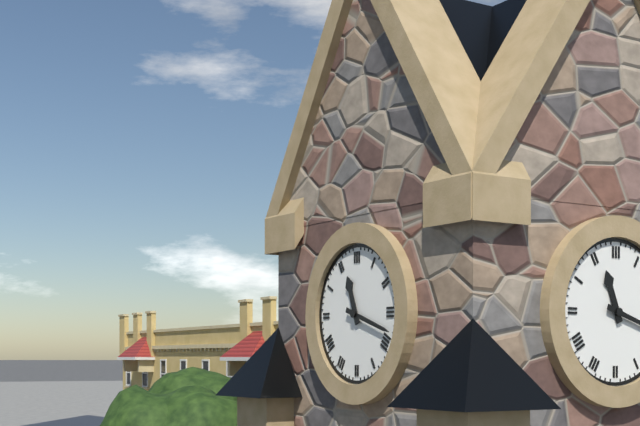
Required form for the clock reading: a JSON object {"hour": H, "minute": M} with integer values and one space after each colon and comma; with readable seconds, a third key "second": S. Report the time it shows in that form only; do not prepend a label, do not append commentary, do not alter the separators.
{"hour": 11, "minute": 18}
